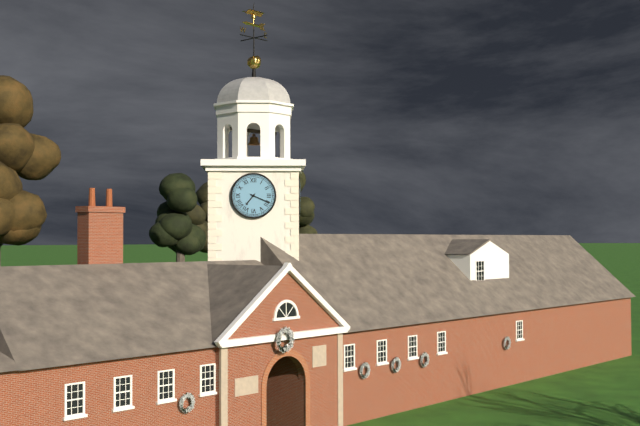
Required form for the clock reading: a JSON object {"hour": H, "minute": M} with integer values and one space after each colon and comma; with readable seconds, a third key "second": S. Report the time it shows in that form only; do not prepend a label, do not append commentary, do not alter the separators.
{"hour": 7, "minute": 19}
